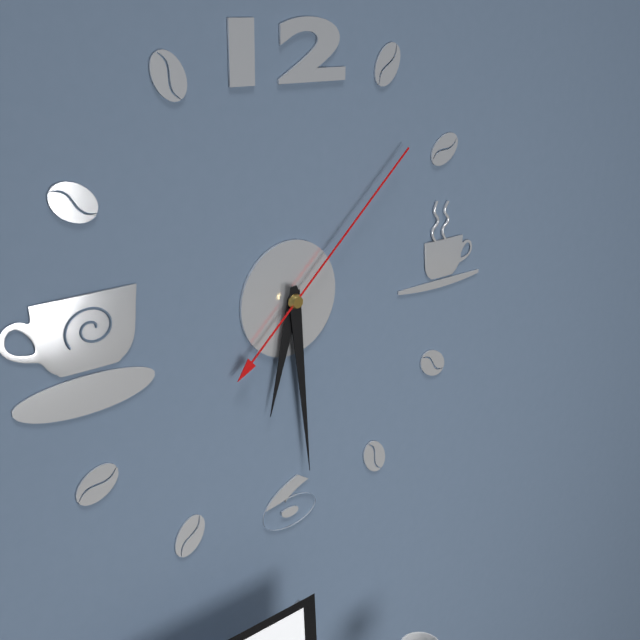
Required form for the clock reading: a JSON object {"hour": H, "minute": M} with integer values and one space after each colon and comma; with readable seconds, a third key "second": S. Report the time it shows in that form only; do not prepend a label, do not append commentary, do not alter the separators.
{"hour": 6, "minute": 29, "second": 8}
